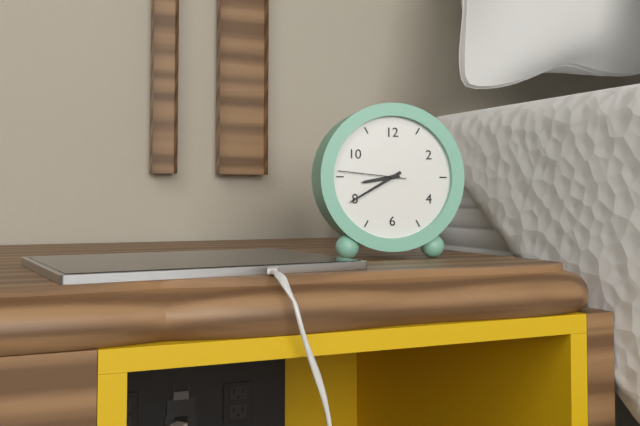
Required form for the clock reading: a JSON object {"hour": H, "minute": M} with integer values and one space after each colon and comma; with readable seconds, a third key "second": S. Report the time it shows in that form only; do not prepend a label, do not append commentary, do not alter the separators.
{"hour": 8, "minute": 40, "second": 46}
